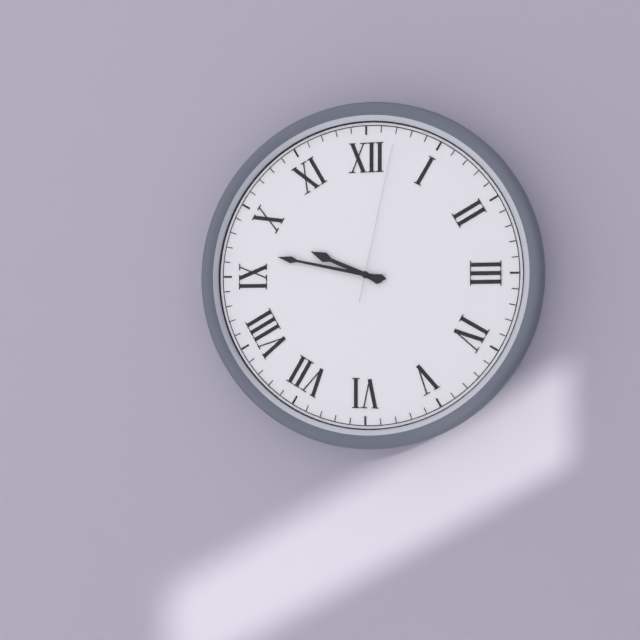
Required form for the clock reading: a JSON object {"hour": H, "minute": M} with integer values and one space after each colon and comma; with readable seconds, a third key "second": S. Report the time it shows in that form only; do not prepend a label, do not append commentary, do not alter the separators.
{"hour": 9, "minute": 47, "second": 2}
